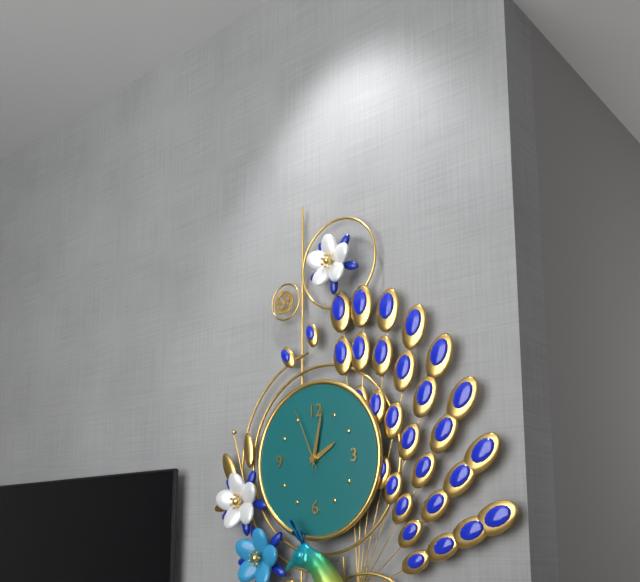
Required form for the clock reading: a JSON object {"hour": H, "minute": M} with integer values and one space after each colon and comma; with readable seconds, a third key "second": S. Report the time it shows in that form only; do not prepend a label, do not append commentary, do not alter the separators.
{"hour": 2, "minute": 2, "second": 56}
